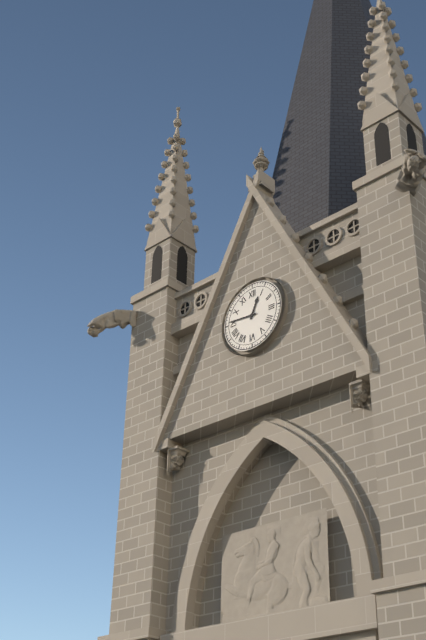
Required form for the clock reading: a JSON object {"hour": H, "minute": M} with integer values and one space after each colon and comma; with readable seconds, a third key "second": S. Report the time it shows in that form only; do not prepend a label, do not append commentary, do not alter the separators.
{"hour": 12, "minute": 46}
